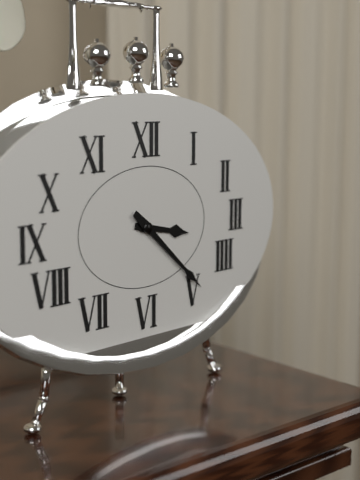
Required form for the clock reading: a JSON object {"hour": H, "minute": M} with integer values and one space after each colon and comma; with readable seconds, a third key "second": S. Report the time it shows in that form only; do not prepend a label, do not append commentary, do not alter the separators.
{"hour": 3, "minute": 22}
